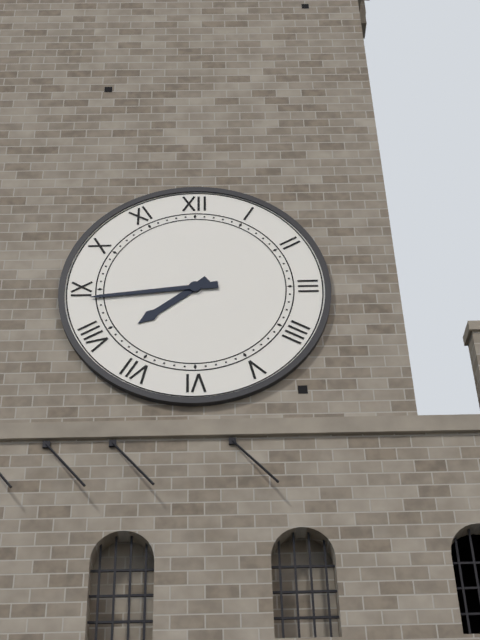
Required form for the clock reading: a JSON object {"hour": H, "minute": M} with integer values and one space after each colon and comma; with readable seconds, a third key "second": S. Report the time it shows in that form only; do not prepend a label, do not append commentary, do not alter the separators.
{"hour": 7, "minute": 44}
